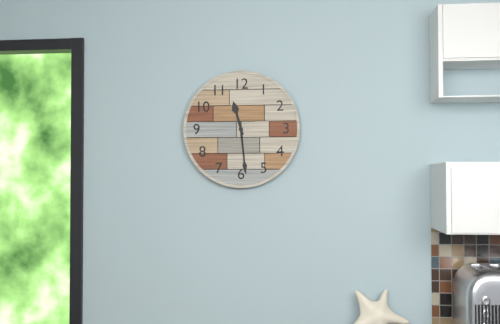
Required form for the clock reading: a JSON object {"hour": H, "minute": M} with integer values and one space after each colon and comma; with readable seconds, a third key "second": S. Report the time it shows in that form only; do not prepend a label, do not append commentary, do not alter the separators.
{"hour": 11, "minute": 29}
